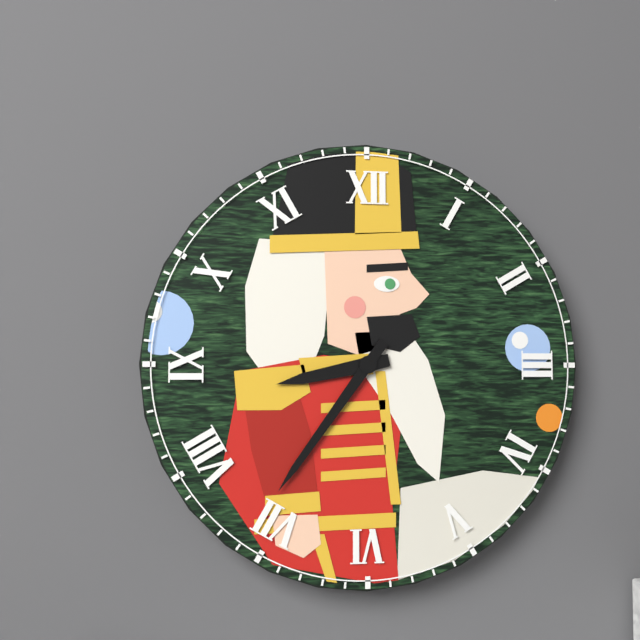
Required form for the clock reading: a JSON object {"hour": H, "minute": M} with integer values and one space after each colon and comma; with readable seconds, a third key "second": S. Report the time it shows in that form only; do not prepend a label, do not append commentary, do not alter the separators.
{"hour": 8, "minute": 36}
